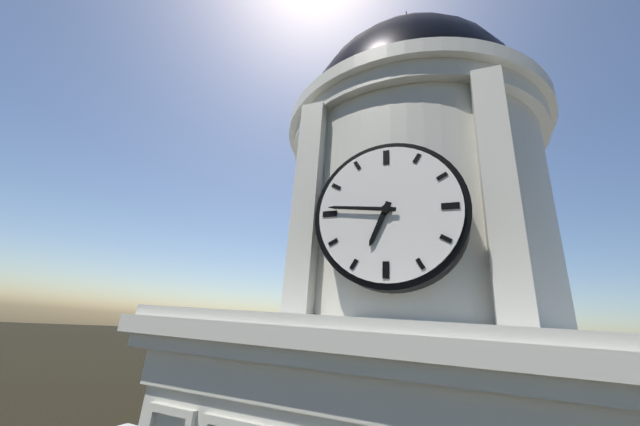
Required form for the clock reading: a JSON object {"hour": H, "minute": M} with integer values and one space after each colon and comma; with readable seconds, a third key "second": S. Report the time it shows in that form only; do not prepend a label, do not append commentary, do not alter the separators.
{"hour": 6, "minute": 46}
